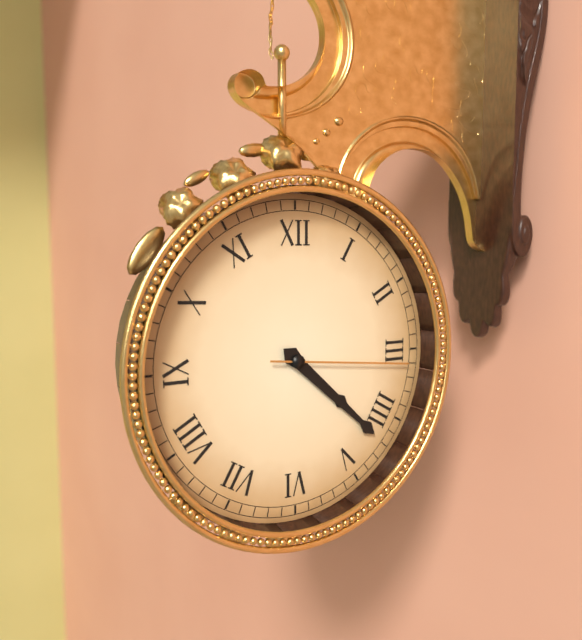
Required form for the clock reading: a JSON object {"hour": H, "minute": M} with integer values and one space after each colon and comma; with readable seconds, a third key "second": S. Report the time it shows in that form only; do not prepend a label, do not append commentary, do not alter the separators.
{"hour": 4, "minute": 22, "second": 16}
